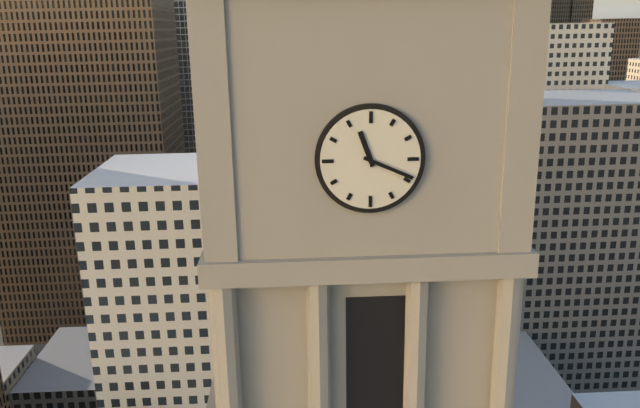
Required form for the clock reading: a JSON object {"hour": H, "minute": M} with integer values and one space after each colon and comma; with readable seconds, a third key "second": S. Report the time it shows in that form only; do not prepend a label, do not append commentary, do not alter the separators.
{"hour": 11, "minute": 19}
